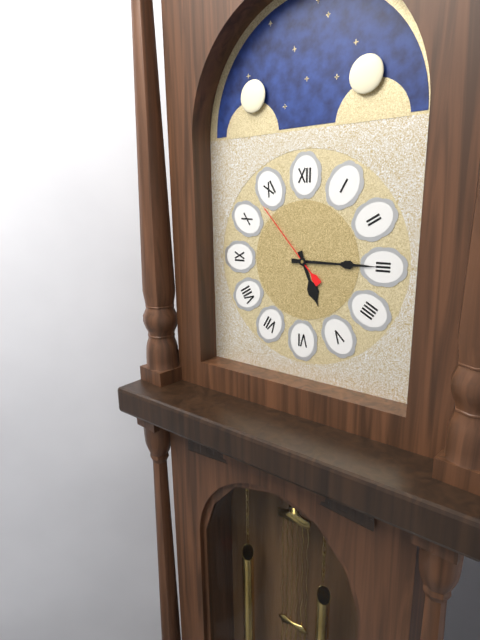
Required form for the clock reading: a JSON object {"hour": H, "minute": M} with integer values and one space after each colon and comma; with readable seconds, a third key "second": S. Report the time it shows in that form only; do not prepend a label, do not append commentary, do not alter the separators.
{"hour": 5, "minute": 15, "second": 53}
